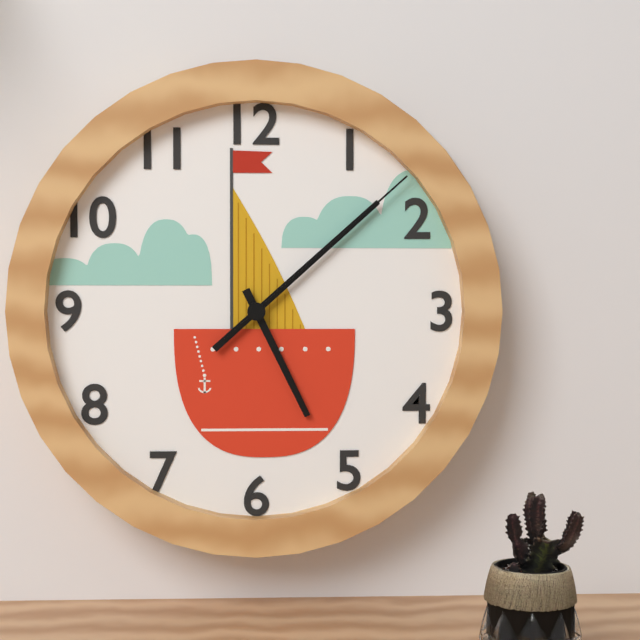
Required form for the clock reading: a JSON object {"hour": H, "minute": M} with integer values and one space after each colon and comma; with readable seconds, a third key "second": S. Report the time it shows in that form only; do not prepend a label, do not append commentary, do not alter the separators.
{"hour": 5, "minute": 8, "second": 8}
